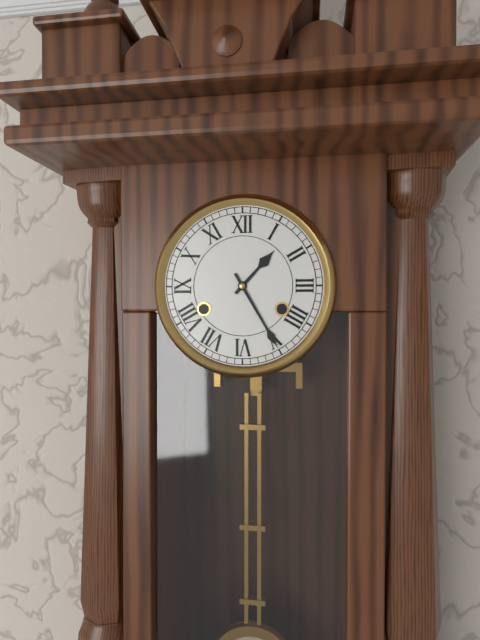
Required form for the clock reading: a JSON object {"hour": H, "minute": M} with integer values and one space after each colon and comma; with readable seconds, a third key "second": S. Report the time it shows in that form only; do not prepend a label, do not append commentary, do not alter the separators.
{"hour": 1, "minute": 25}
